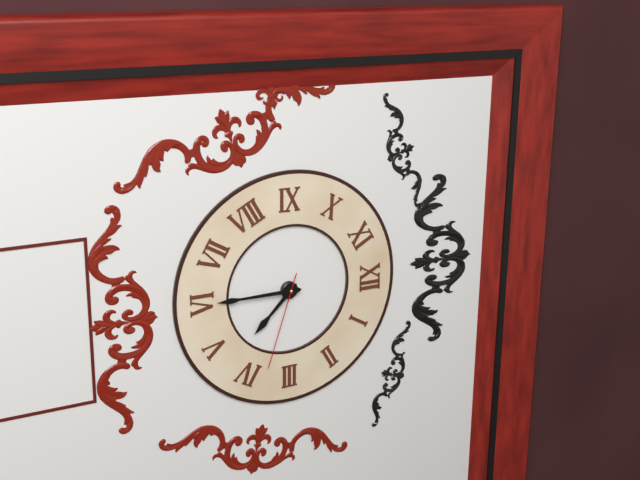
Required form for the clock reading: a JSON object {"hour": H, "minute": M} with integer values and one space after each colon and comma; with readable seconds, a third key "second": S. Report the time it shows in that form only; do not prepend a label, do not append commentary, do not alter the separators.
{"hour": 4, "minute": 30, "second": 18}
